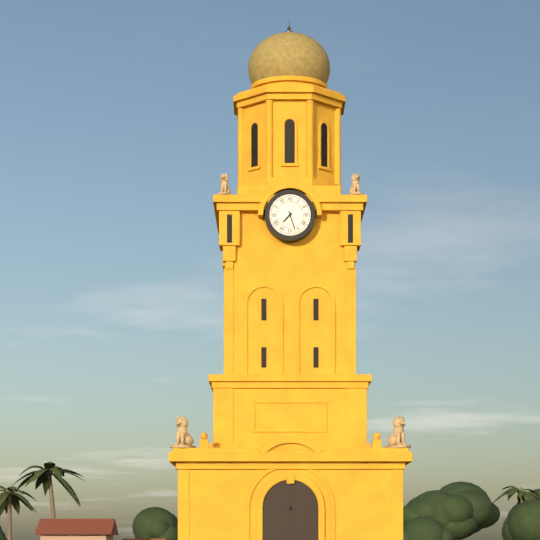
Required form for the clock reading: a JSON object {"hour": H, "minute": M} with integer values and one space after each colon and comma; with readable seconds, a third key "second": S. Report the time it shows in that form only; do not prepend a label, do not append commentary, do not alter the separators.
{"hour": 7, "minute": 27}
